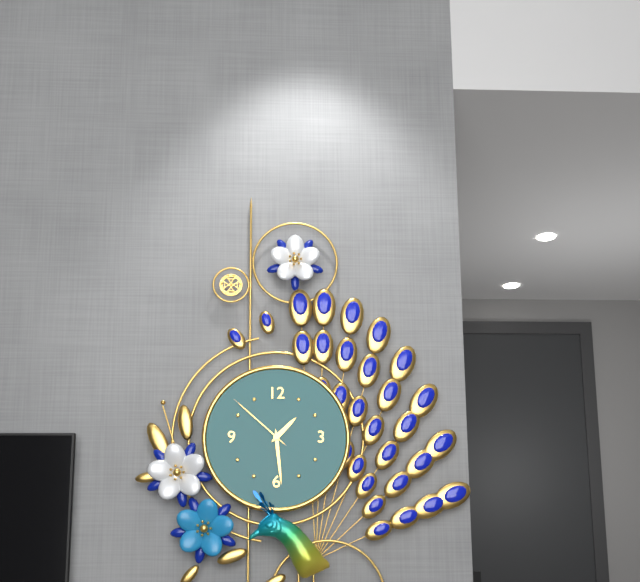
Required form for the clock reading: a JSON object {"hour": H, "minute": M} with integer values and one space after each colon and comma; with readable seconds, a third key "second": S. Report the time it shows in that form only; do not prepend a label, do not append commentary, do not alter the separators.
{"hour": 1, "minute": 29, "second": 52}
